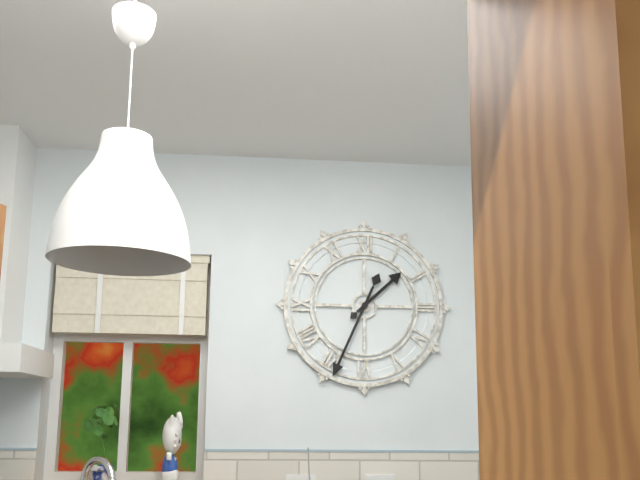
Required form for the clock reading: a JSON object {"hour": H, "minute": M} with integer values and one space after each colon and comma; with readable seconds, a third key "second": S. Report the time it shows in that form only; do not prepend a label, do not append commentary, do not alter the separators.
{"hour": 1, "minute": 34}
